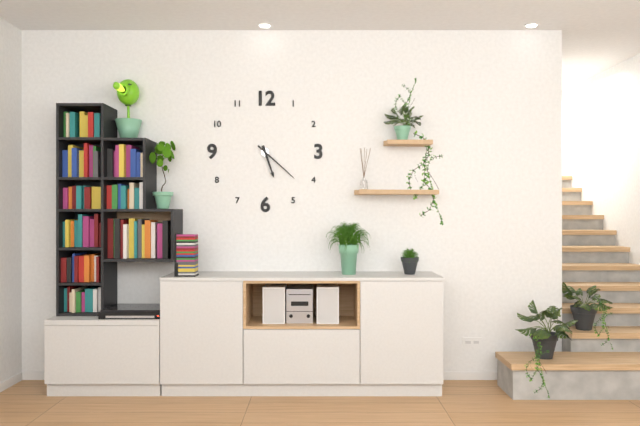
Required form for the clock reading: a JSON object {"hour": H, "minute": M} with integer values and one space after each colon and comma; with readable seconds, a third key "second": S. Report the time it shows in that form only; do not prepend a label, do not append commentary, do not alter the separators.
{"hour": 5, "minute": 22}
